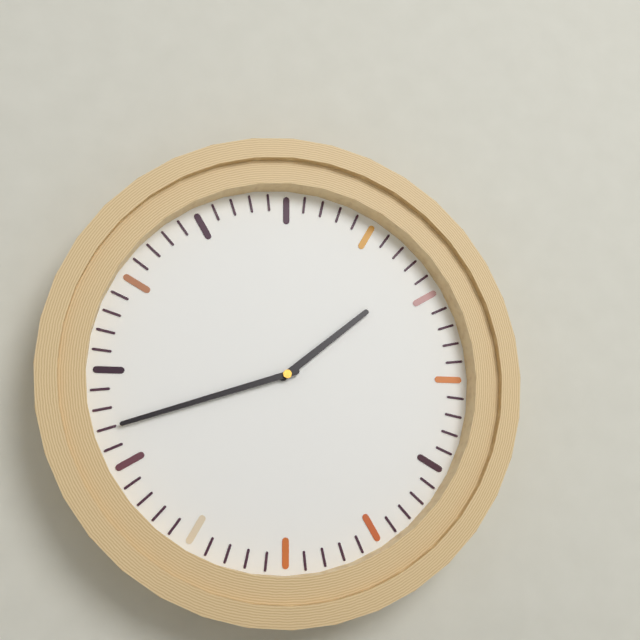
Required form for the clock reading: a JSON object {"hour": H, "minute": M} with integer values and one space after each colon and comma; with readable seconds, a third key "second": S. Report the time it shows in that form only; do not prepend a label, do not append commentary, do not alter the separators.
{"hour": 1, "minute": 42}
